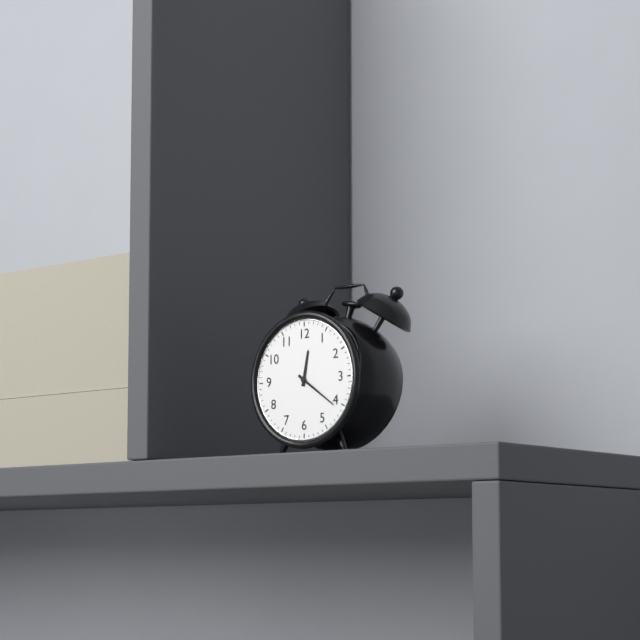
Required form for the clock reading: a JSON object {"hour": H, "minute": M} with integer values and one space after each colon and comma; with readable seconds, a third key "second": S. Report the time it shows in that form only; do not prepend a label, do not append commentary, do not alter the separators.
{"hour": 12, "minute": 21}
